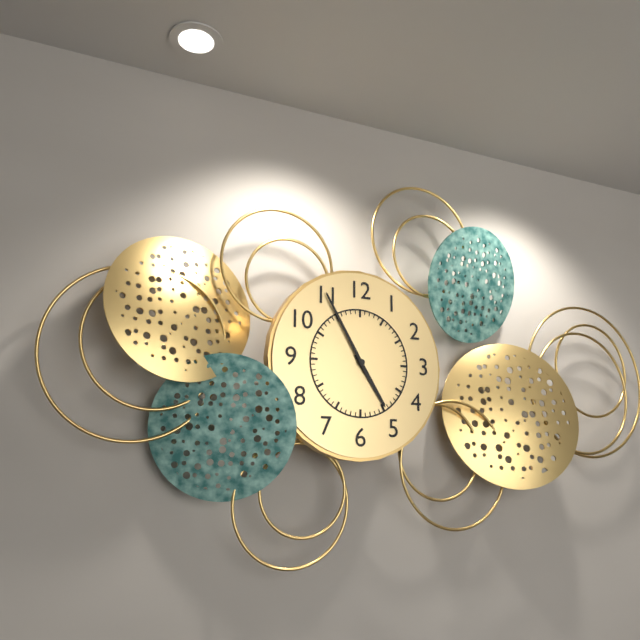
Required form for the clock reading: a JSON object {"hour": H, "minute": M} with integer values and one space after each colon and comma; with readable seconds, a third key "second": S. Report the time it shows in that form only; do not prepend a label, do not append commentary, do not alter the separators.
{"hour": 4, "minute": 55}
